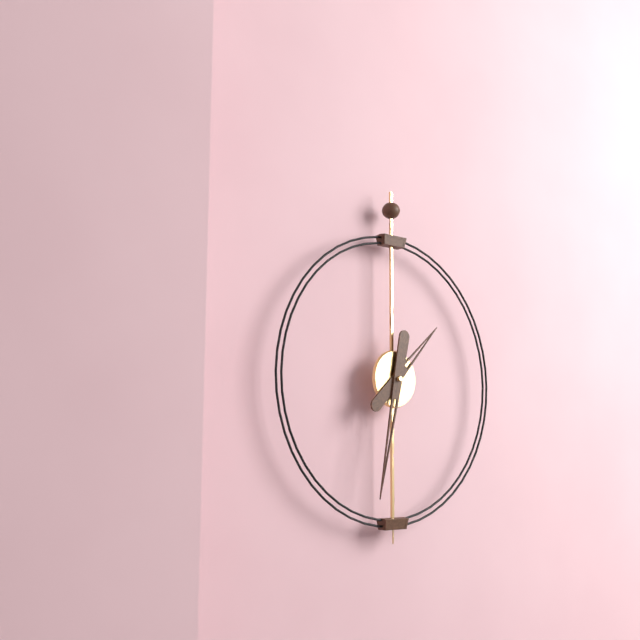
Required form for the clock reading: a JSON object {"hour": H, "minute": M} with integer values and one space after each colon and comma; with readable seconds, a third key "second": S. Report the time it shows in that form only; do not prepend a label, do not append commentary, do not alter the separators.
{"hour": 1, "minute": 32}
